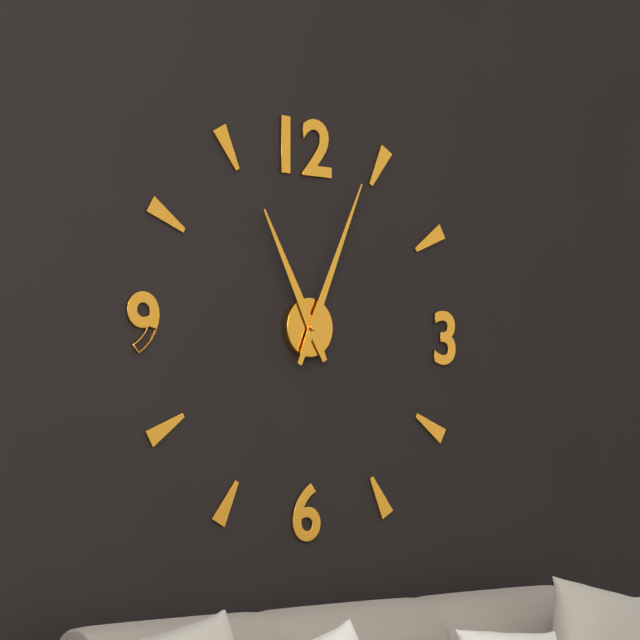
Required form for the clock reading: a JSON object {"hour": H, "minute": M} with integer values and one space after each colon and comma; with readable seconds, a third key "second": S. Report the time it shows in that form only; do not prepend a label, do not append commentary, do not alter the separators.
{"hour": 11, "minute": 4}
